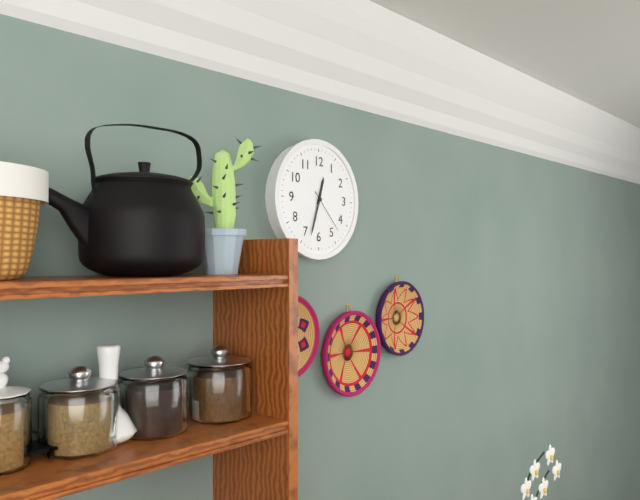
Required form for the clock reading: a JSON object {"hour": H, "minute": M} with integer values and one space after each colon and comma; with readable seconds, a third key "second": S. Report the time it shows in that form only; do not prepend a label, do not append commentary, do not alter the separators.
{"hour": 12, "minute": 33}
